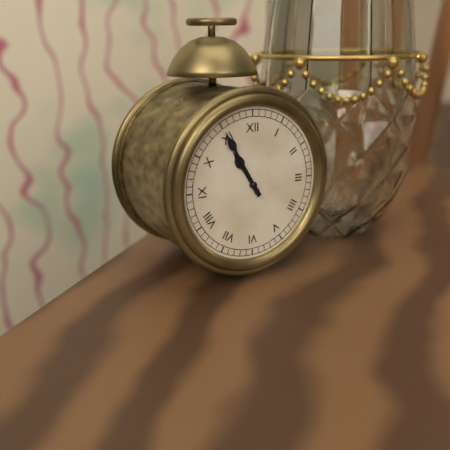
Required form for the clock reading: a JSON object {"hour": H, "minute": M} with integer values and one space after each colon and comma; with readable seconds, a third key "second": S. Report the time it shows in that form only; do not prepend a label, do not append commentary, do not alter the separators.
{"hour": 10, "minute": 55}
